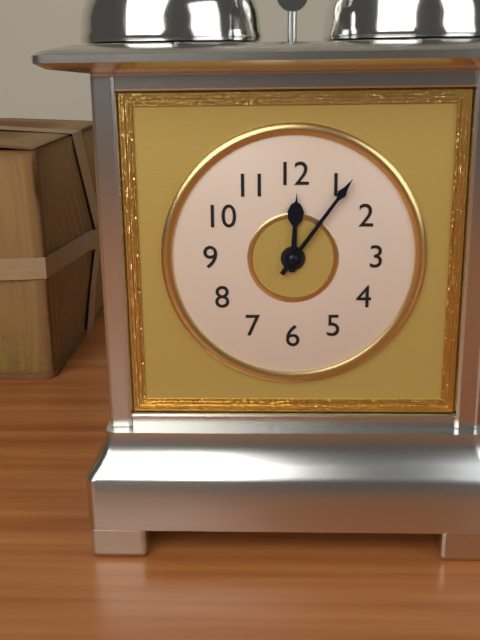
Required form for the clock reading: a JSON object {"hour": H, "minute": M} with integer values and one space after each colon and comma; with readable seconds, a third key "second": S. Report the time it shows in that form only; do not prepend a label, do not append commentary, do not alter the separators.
{"hour": 12, "minute": 6}
